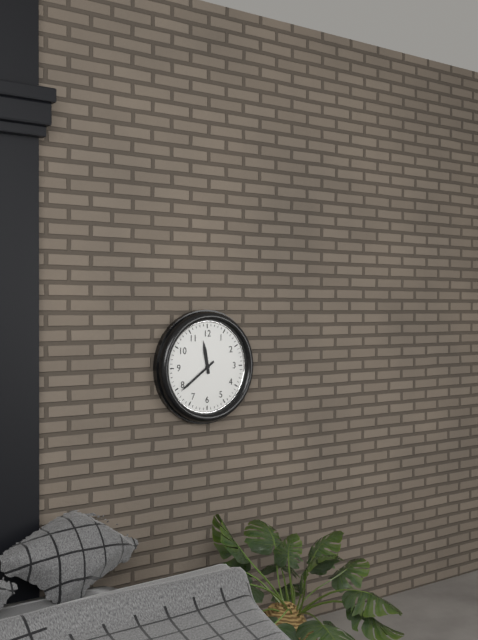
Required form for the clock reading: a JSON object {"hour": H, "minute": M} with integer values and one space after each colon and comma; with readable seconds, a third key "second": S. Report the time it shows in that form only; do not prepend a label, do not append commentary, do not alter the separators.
{"hour": 11, "minute": 39}
